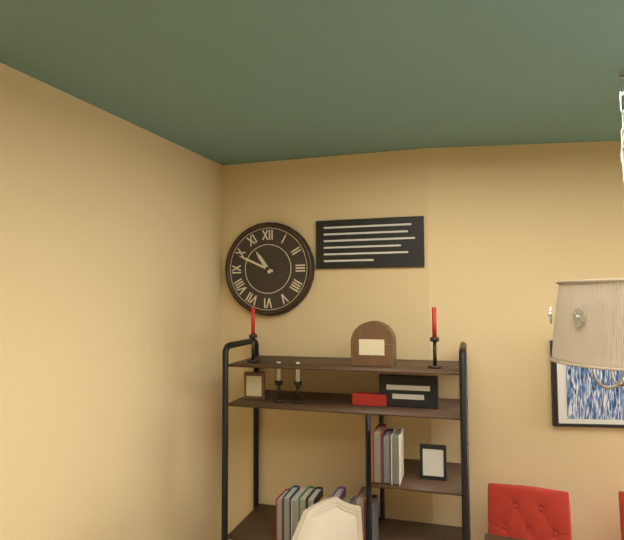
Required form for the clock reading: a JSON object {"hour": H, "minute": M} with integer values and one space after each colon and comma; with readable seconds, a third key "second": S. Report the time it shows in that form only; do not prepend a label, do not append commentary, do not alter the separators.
{"hour": 10, "minute": 49}
